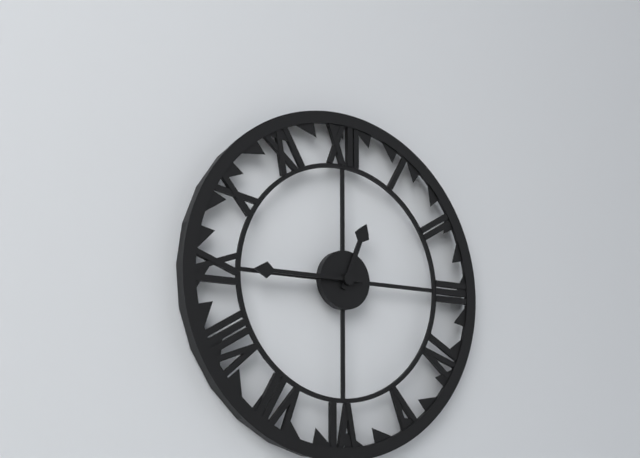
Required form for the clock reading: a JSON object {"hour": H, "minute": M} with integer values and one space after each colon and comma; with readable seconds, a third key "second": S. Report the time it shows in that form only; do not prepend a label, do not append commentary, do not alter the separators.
{"hour": 12, "minute": 45}
